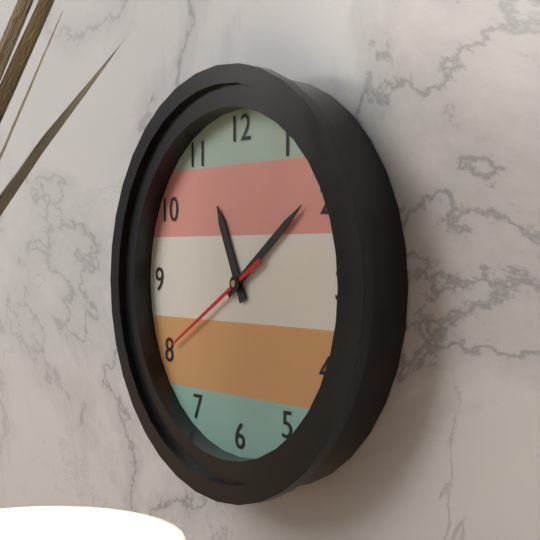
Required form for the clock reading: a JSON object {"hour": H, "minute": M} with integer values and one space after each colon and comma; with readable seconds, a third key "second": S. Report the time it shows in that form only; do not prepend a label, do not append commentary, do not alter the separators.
{"hour": 11, "minute": 9, "second": 40}
